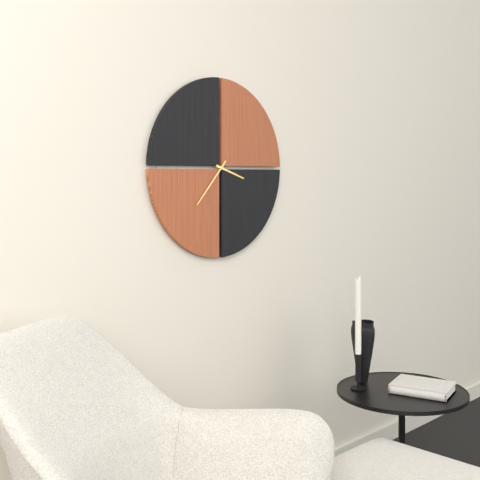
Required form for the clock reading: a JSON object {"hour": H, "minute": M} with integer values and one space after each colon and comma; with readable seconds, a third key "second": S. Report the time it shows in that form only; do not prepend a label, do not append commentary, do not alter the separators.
{"hour": 3, "minute": 37}
